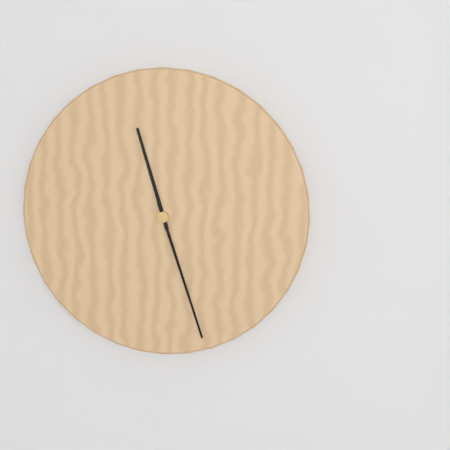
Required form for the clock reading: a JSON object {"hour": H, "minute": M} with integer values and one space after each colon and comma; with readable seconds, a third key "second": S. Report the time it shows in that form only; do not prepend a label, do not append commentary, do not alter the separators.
{"hour": 11, "minute": 27}
